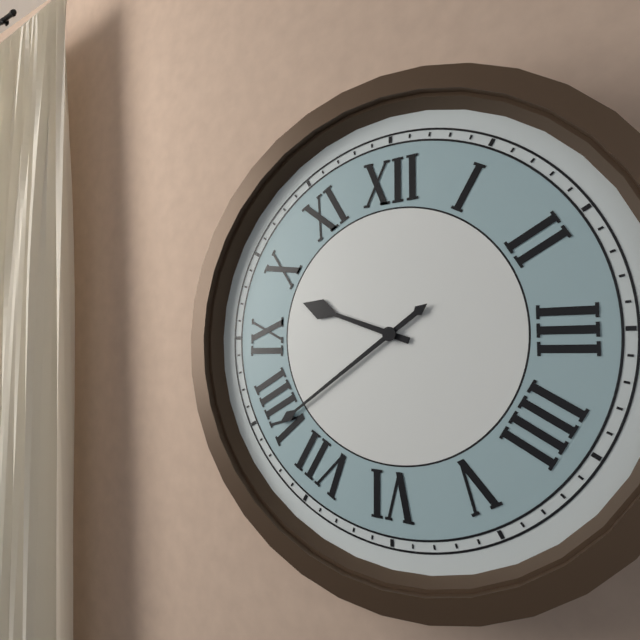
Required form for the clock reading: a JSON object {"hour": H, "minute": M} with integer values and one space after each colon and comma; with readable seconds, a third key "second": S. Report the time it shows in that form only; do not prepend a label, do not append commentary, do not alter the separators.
{"hour": 9, "minute": 39}
